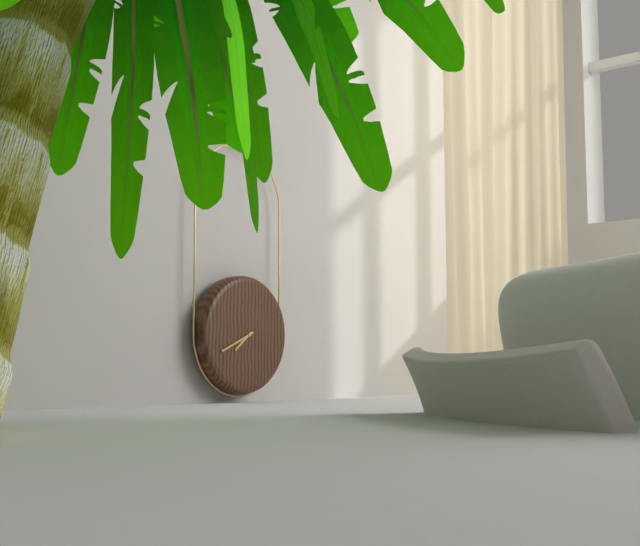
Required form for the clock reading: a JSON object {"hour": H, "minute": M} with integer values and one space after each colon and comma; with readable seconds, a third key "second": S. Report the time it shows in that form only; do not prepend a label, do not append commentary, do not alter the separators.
{"hour": 7, "minute": 41}
